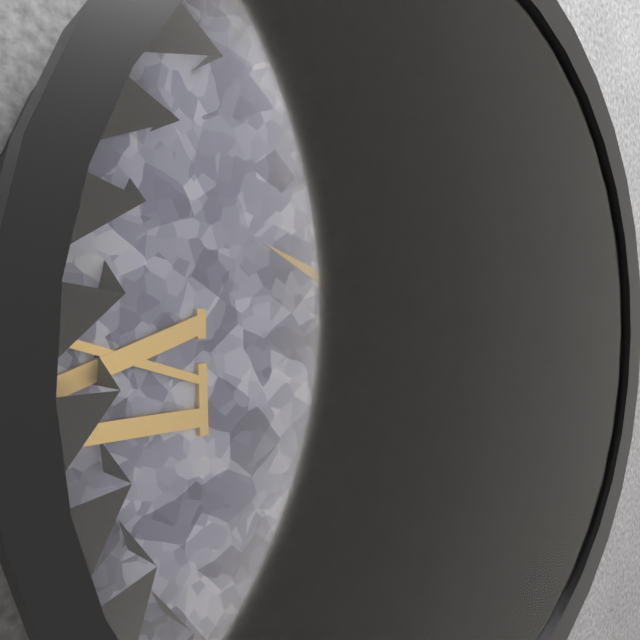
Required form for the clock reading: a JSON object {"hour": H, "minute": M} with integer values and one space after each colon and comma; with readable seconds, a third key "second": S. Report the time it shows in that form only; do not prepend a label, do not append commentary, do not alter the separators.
{"hour": 3, "minute": 49}
